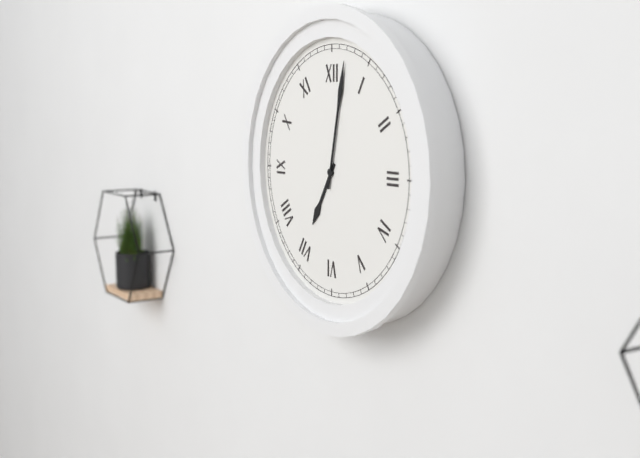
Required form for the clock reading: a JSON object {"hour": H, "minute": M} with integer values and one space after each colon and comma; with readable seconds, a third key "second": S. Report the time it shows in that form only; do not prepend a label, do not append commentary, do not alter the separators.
{"hour": 7, "minute": 2}
